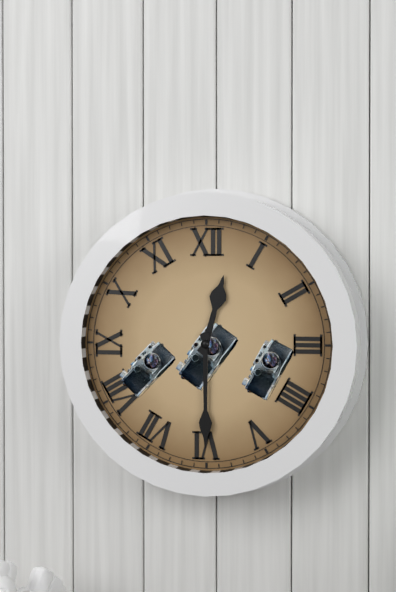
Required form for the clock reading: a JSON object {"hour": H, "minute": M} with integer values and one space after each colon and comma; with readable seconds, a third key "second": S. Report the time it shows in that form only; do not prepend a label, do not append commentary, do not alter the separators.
{"hour": 12, "minute": 30}
